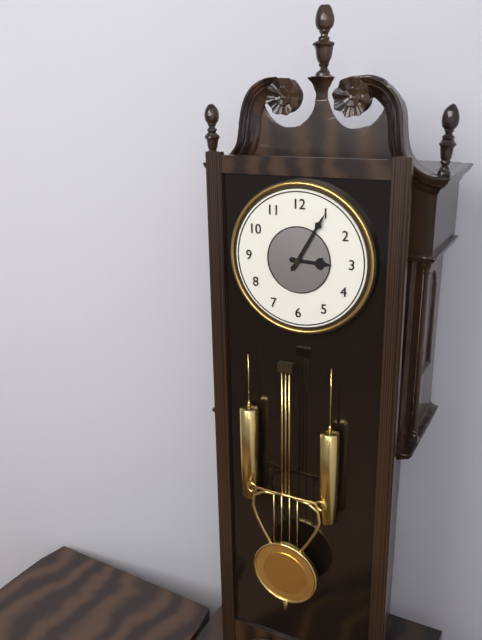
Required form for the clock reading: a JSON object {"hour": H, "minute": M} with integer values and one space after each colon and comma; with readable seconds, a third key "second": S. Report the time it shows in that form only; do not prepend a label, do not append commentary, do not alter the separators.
{"hour": 3, "minute": 5}
